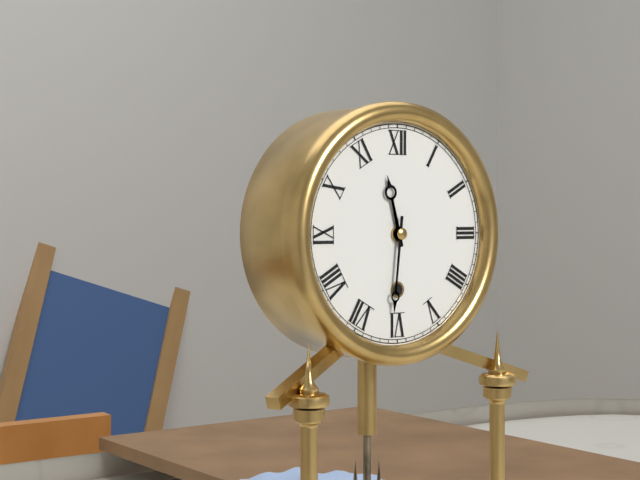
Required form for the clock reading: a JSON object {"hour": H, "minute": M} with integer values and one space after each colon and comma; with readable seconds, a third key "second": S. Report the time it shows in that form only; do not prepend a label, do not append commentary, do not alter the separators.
{"hour": 11, "minute": 31}
